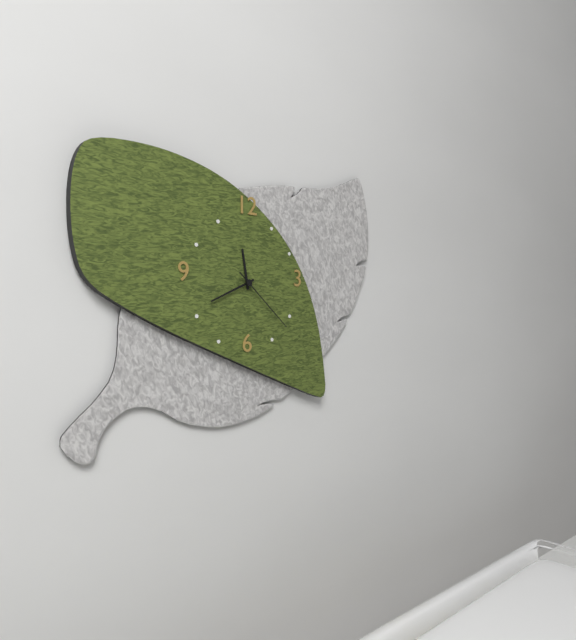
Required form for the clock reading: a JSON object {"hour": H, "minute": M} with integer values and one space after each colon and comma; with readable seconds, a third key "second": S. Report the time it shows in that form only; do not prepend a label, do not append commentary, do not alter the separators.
{"hour": 11, "minute": 41, "second": 22}
